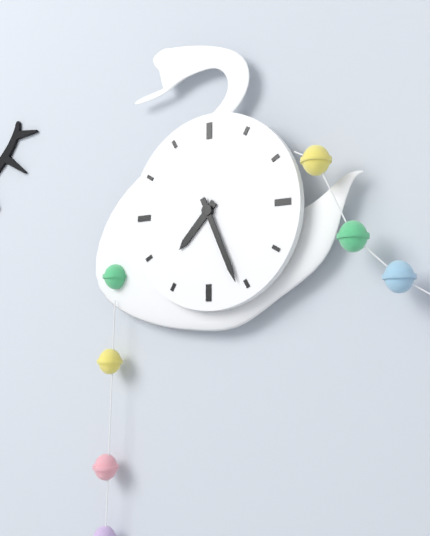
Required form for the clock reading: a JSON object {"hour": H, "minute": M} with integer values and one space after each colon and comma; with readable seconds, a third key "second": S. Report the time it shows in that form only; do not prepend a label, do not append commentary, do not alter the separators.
{"hour": 7, "minute": 26}
